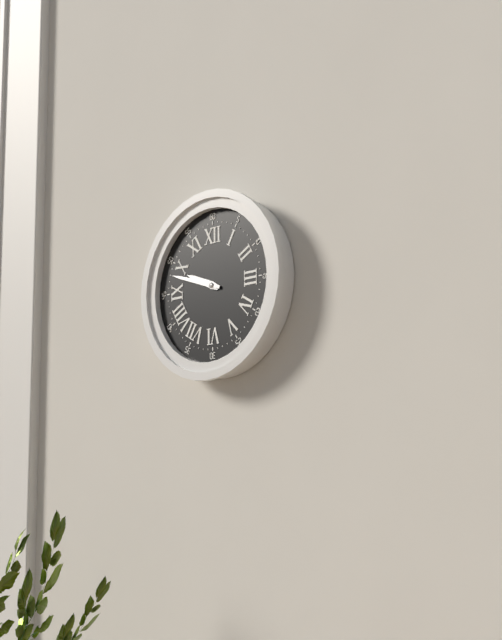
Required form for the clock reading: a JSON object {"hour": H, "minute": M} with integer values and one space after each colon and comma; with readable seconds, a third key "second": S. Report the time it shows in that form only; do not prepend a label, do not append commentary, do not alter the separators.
{"hour": 9, "minute": 48}
